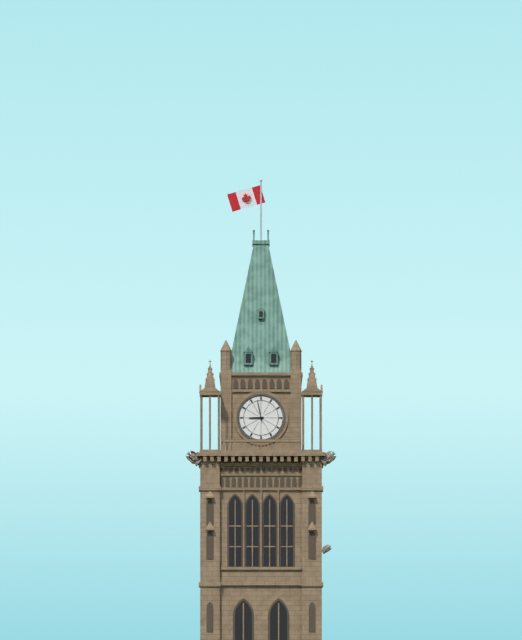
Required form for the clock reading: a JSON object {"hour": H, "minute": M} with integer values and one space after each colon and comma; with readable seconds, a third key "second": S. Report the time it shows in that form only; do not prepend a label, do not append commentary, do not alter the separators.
{"hour": 8, "minute": 58}
